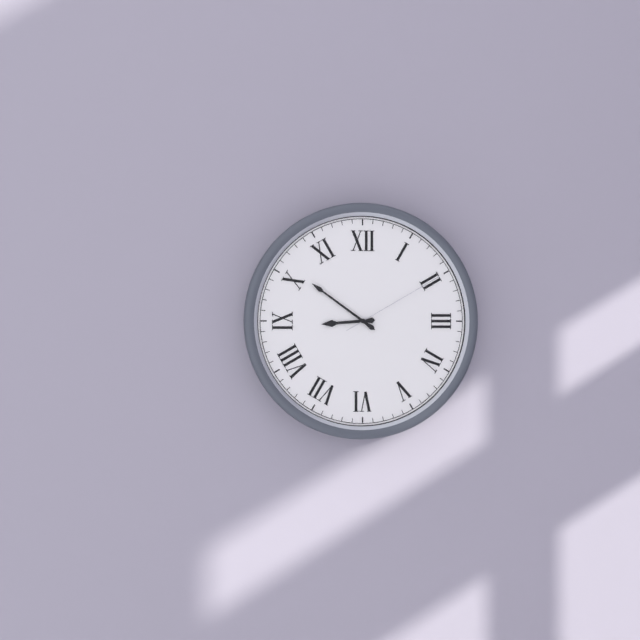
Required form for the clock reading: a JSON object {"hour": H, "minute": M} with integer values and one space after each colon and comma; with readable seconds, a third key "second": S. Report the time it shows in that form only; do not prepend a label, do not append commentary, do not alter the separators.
{"hour": 8, "minute": 51, "second": 10}
